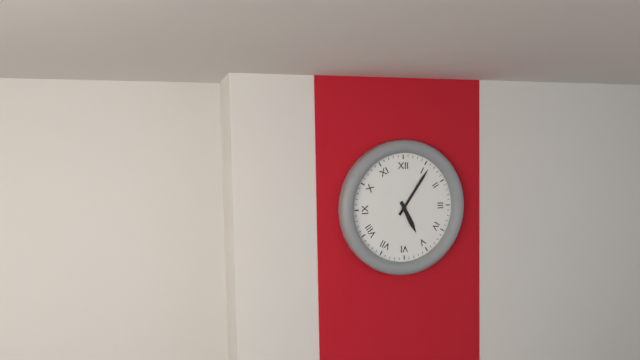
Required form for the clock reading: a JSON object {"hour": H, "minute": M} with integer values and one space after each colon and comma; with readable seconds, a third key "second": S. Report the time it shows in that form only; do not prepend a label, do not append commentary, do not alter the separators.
{"hour": 5, "minute": 6}
